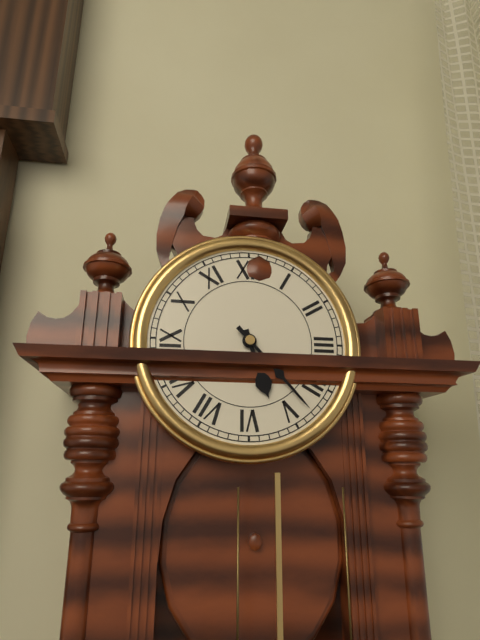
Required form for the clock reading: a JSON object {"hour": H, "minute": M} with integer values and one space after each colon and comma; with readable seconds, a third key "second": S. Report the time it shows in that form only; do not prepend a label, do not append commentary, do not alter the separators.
{"hour": 5, "minute": 23}
